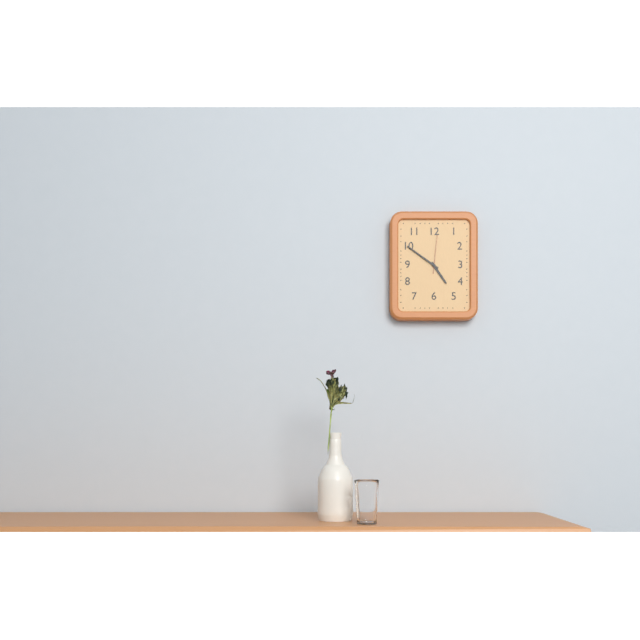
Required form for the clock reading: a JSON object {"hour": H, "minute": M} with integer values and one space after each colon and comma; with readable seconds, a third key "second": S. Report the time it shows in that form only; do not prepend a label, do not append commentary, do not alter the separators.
{"hour": 4, "minute": 51}
